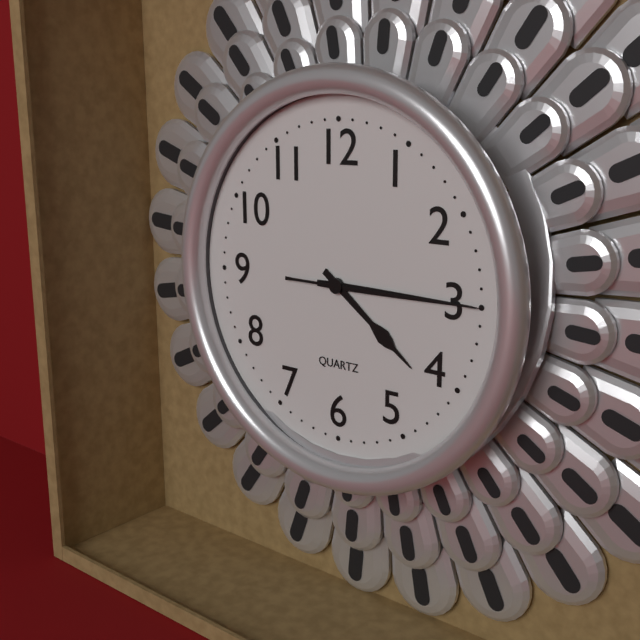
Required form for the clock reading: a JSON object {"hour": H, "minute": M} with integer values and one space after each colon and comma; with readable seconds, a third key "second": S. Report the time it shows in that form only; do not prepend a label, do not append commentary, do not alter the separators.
{"hour": 4, "minute": 15, "second": 15}
